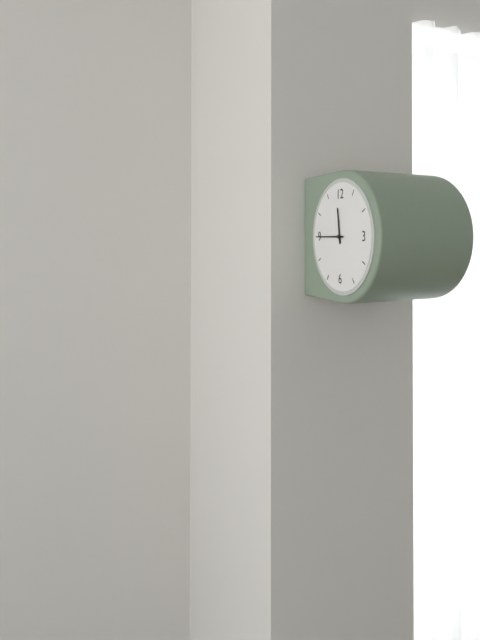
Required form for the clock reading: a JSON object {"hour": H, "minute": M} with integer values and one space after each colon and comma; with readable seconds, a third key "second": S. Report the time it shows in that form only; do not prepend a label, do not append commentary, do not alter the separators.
{"hour": 11, "minute": 45}
